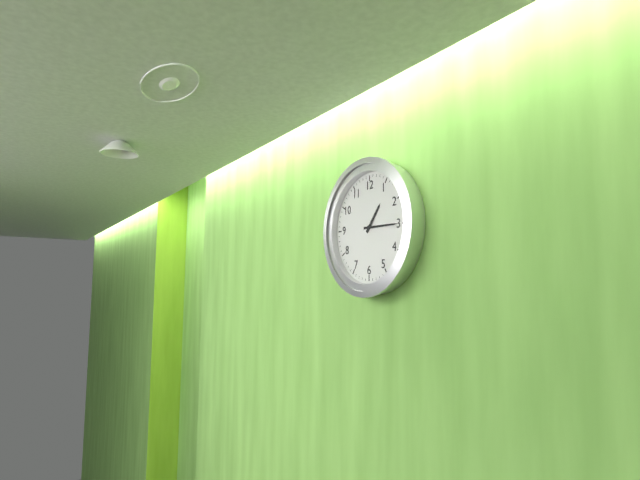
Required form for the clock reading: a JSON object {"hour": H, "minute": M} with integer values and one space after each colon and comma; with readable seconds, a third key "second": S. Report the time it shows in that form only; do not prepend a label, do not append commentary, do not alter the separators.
{"hour": 1, "minute": 15}
